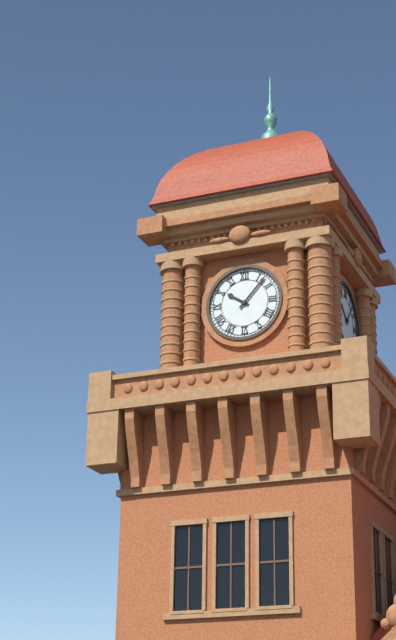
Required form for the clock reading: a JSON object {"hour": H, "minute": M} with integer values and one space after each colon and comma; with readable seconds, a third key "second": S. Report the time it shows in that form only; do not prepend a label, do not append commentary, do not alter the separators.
{"hour": 10, "minute": 7}
